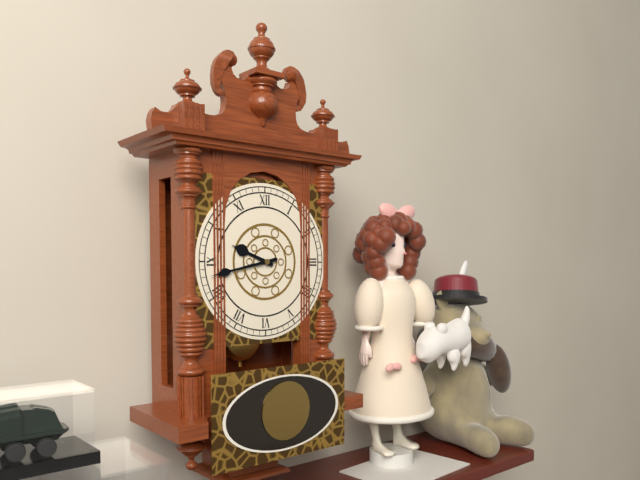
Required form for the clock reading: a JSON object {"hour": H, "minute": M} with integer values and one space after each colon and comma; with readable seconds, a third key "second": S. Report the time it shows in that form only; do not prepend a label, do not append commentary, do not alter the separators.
{"hour": 9, "minute": 43}
